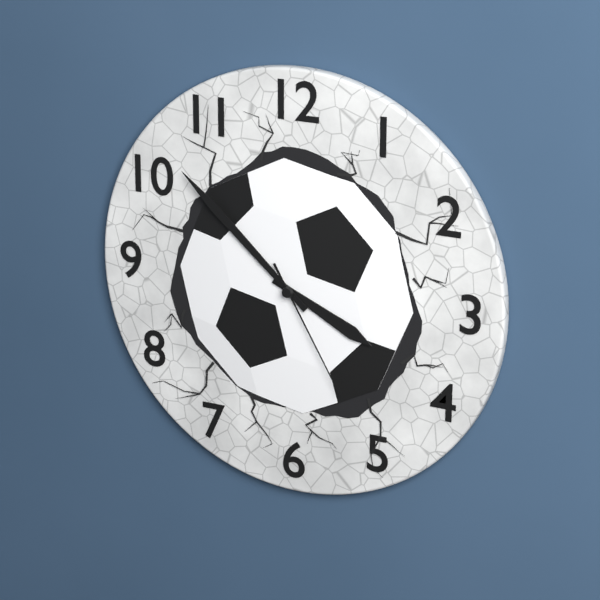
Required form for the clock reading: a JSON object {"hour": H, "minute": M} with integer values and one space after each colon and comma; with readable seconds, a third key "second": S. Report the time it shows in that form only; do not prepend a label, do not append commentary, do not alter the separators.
{"hour": 3, "minute": 52, "second": 25}
